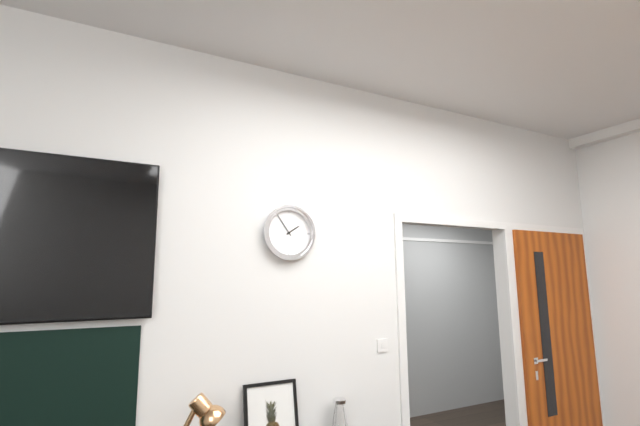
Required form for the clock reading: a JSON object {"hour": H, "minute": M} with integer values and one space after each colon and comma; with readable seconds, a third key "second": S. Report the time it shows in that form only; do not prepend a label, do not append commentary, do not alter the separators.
{"hour": 1, "minute": 54}
